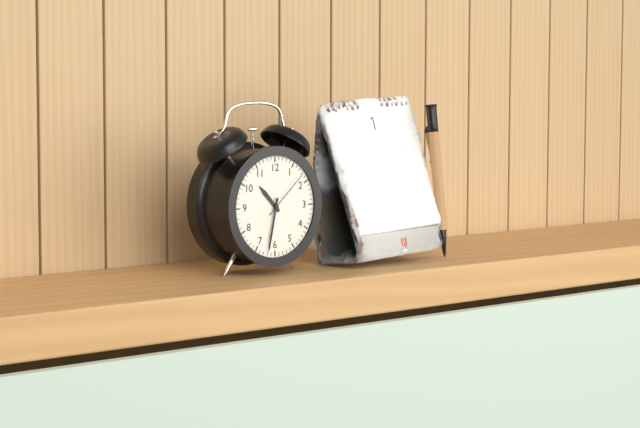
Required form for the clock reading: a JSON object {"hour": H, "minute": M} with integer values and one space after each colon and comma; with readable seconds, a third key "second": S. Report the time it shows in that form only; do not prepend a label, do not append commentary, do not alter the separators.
{"hour": 10, "minute": 32, "second": 8}
